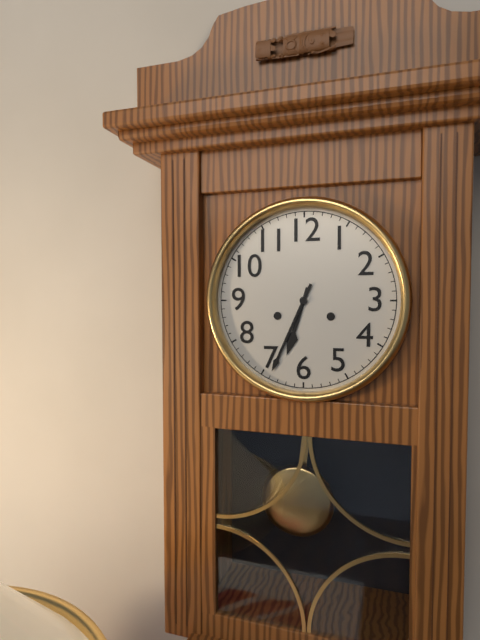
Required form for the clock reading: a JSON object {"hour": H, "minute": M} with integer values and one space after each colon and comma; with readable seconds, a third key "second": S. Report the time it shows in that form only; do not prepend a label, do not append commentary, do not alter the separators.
{"hour": 6, "minute": 34}
